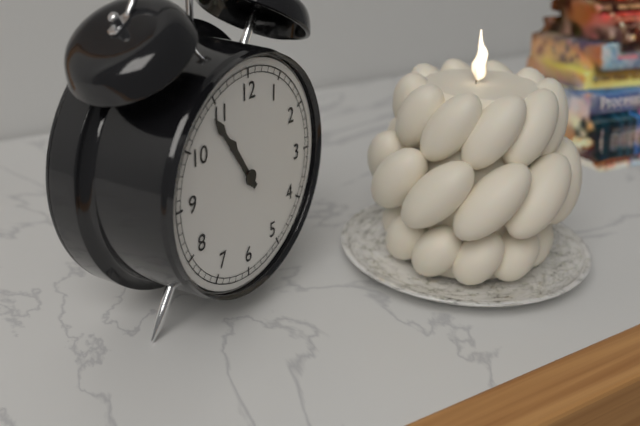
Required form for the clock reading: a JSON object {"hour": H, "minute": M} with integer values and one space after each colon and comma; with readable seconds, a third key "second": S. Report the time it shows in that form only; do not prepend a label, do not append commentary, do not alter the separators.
{"hour": 10, "minute": 54}
